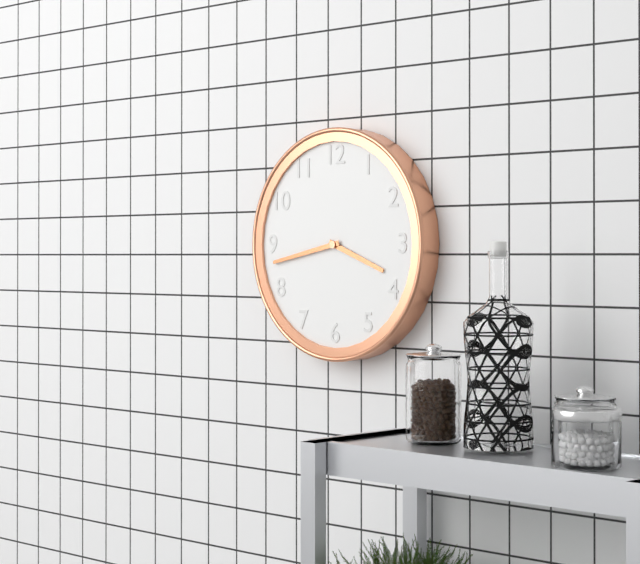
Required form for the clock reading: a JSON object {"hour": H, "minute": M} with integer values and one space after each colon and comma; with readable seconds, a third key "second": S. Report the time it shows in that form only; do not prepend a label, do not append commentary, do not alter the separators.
{"hour": 3, "minute": 43}
